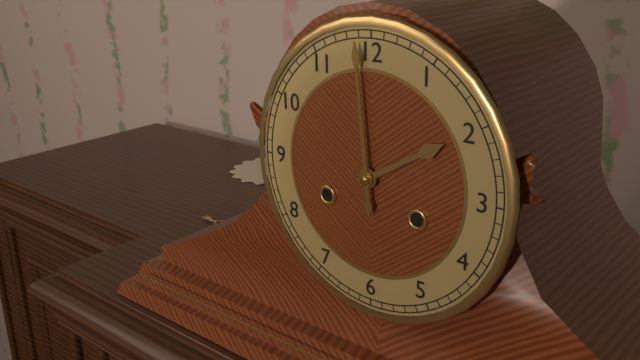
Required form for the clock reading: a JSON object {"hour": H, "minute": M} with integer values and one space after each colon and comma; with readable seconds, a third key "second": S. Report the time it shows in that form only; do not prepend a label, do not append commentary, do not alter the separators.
{"hour": 1, "minute": 59}
